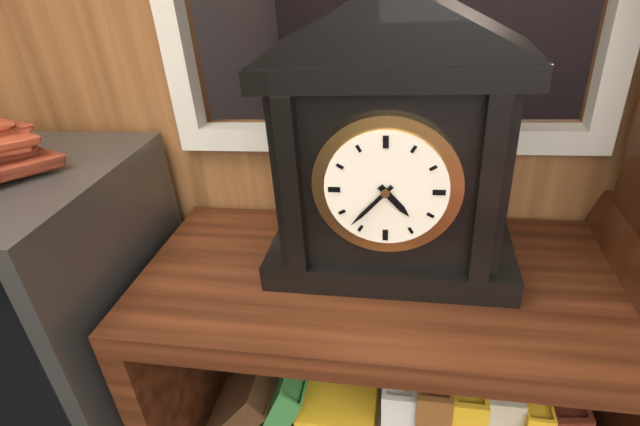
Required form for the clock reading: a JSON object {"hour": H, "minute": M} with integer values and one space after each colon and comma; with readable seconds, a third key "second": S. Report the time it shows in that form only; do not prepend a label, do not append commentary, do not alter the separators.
{"hour": 4, "minute": 37}
